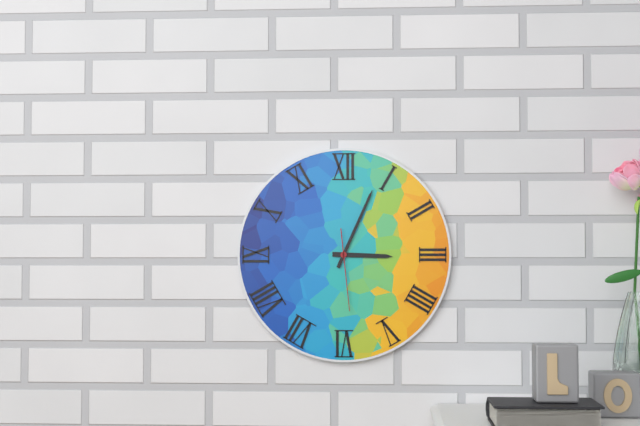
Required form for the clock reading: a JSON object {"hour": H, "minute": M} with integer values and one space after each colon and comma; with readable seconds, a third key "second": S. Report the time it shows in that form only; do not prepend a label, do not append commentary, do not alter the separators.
{"hour": 3, "minute": 4, "second": 29}
